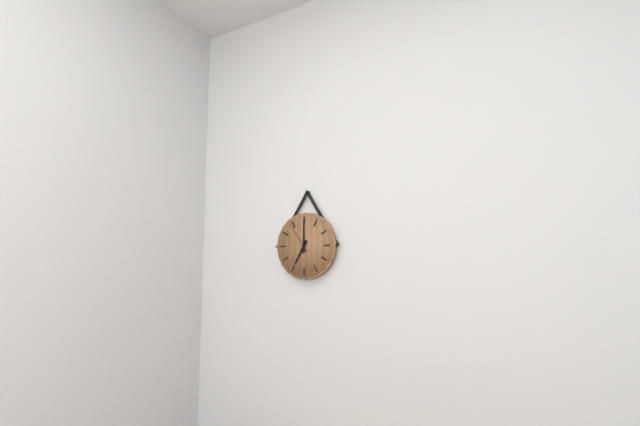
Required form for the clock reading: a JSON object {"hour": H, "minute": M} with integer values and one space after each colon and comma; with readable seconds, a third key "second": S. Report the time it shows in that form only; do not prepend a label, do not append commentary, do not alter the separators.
{"hour": 7, "minute": 0}
